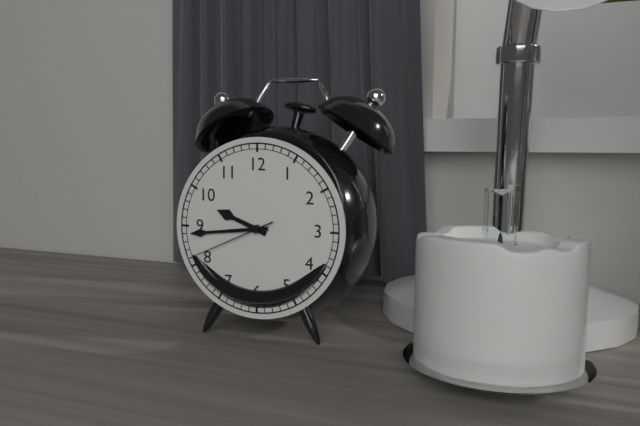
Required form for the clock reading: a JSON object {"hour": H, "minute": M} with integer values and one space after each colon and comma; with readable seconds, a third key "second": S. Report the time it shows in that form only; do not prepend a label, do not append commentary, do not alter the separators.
{"hour": 9, "minute": 44, "second": 41}
